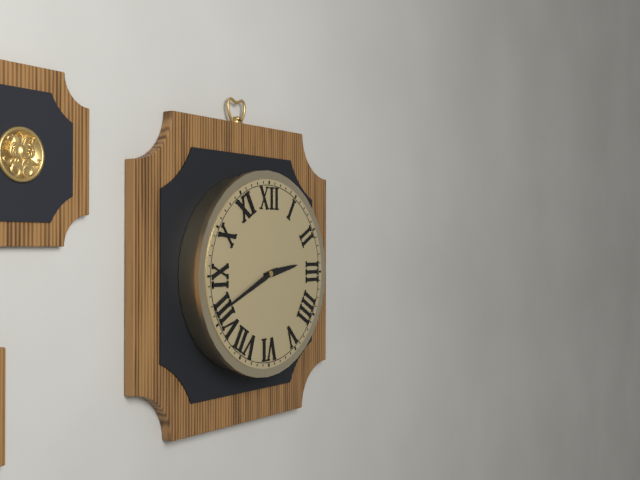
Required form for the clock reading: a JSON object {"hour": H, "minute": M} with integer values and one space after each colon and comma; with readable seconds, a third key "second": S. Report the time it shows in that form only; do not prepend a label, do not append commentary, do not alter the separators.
{"hour": 2, "minute": 41}
